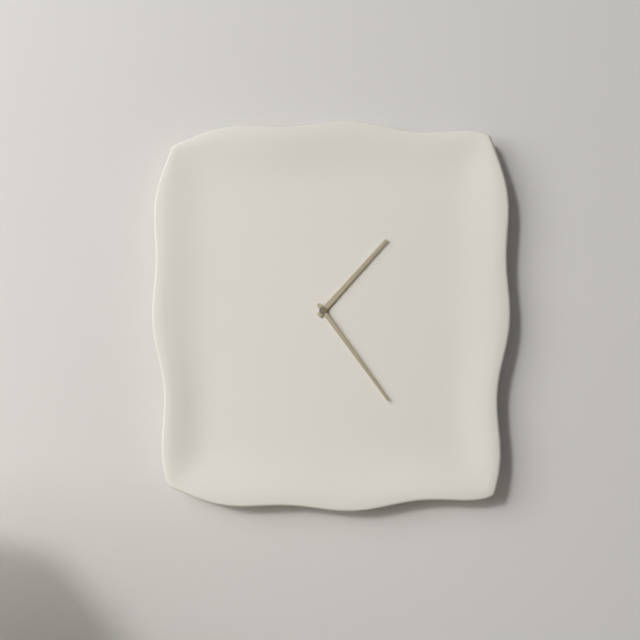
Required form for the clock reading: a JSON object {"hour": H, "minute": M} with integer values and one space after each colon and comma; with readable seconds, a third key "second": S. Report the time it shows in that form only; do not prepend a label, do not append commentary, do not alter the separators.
{"hour": 1, "minute": 24}
